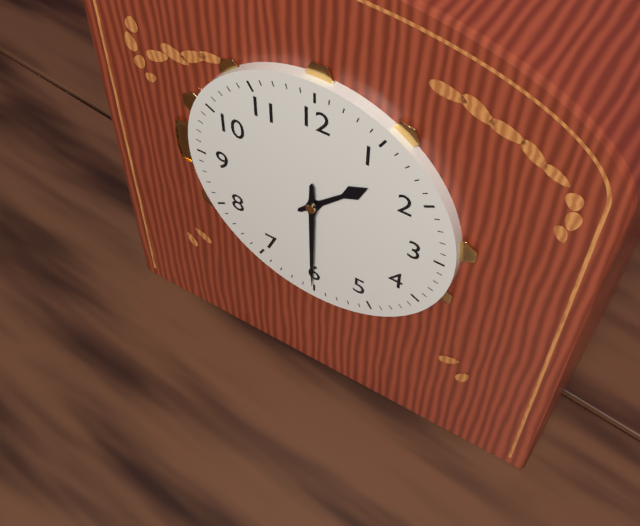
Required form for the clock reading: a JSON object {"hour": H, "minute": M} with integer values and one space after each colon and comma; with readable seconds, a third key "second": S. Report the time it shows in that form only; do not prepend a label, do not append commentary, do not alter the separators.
{"hour": 1, "minute": 30}
